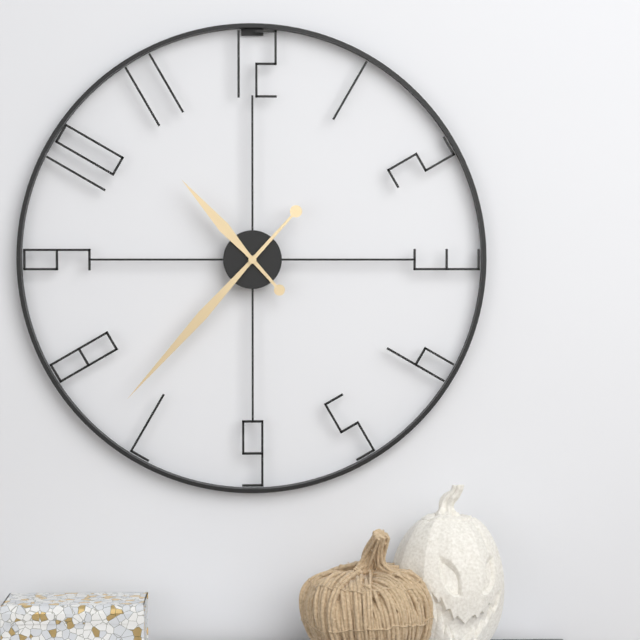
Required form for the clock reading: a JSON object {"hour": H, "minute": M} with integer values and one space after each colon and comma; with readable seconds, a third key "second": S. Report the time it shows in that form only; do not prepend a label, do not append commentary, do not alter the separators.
{"hour": 10, "minute": 37}
